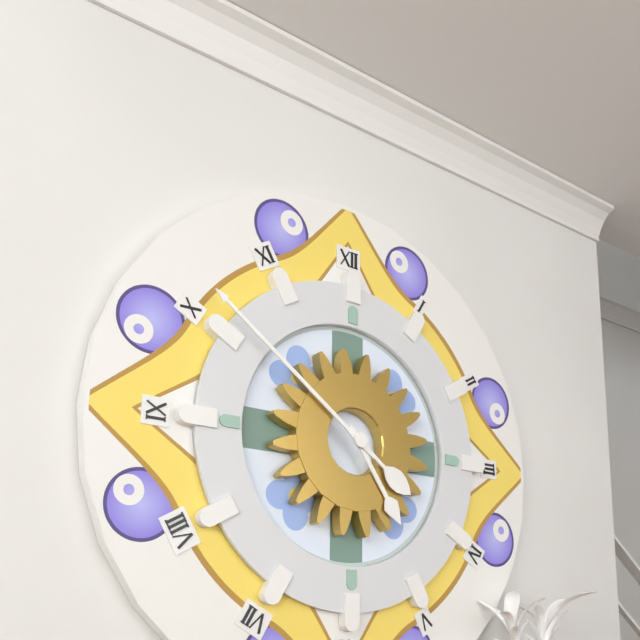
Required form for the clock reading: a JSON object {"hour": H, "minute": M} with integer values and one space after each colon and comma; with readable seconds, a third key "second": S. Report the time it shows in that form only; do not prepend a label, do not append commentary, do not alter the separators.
{"hour": 4, "minute": 51}
